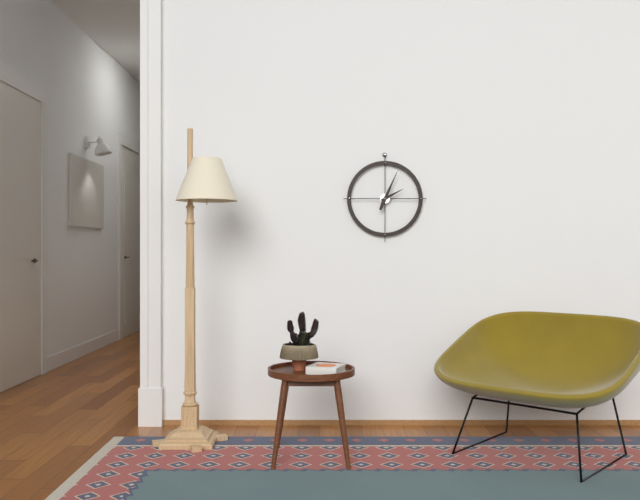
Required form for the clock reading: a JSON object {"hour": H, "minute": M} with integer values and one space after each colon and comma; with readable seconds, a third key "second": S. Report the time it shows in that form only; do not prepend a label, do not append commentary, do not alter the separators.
{"hour": 2, "minute": 4}
